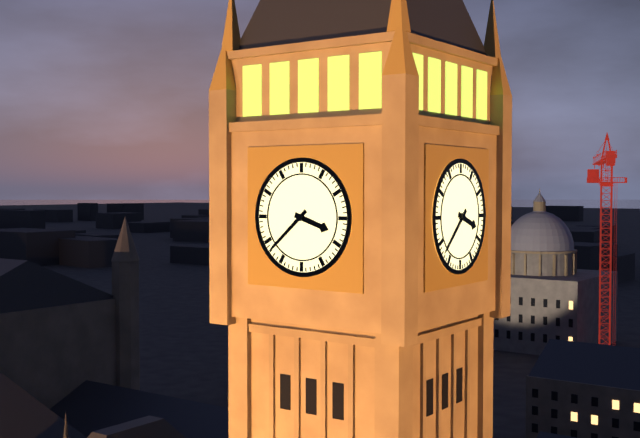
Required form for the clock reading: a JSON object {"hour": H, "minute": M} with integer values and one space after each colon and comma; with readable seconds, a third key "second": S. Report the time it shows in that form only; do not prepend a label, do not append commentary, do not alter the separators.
{"hour": 3, "minute": 38}
